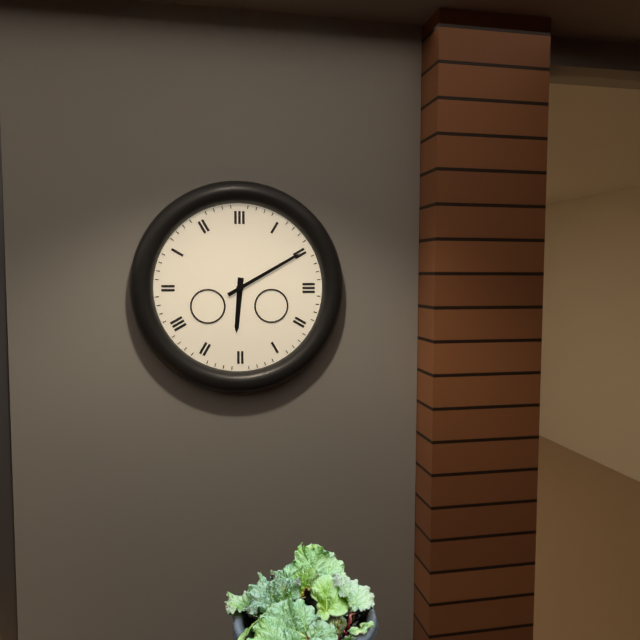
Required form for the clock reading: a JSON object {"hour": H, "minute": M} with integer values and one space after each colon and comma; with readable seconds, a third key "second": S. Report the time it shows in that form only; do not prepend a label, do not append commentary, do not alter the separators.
{"hour": 6, "minute": 10}
